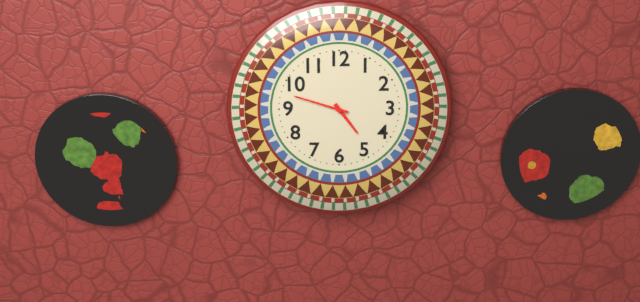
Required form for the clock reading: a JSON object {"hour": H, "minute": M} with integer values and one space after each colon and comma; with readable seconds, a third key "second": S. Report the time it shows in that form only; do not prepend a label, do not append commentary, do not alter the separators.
{"hour": 4, "minute": 48}
